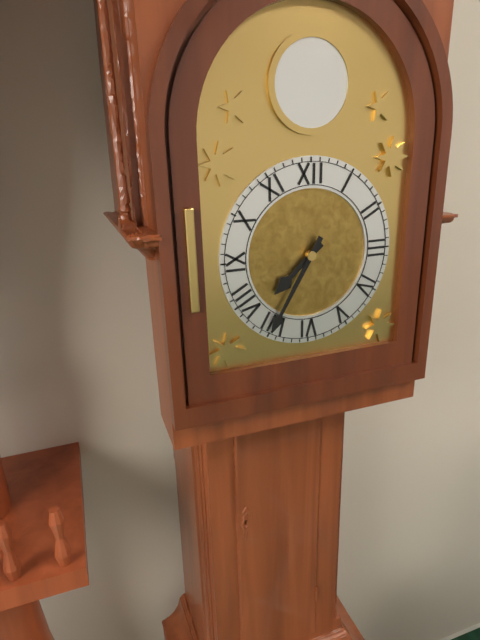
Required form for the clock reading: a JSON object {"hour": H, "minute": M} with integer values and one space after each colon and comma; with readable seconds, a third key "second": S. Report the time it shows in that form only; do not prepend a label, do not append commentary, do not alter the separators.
{"hour": 7, "minute": 35}
